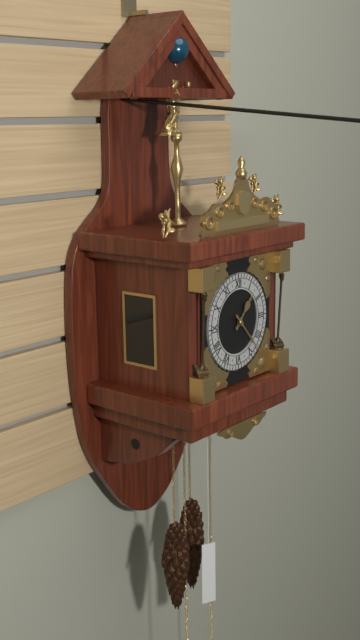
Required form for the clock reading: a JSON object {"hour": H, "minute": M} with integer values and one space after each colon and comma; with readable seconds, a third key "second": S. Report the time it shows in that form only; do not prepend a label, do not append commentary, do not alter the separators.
{"hour": 1, "minute": 23}
